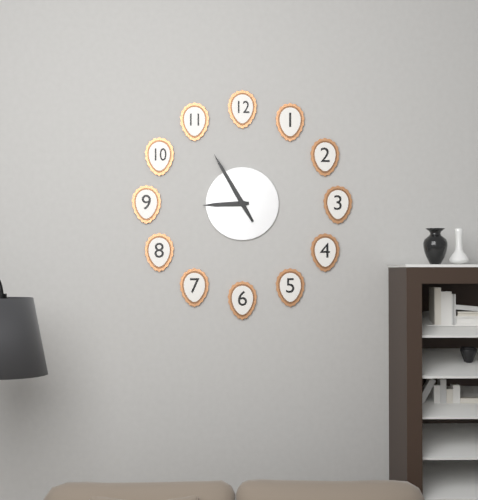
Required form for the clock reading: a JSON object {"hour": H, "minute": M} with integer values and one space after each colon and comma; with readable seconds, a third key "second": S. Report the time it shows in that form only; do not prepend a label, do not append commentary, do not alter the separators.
{"hour": 8, "minute": 55}
